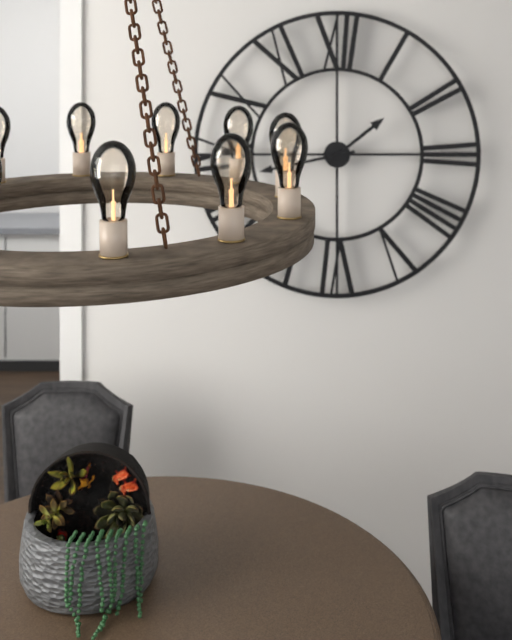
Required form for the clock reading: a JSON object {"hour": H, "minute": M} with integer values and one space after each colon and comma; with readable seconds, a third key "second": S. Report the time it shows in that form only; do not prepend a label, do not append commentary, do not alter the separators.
{"hour": 1, "minute": 43}
